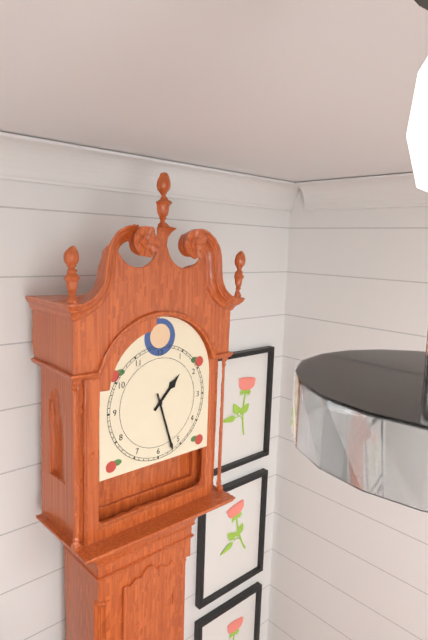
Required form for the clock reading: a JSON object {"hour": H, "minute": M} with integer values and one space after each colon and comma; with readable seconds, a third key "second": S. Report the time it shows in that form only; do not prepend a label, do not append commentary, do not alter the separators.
{"hour": 1, "minute": 27}
